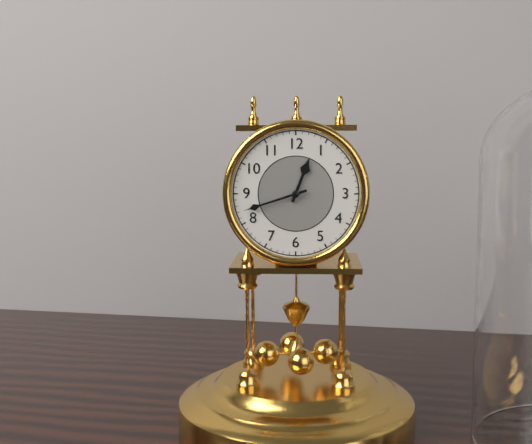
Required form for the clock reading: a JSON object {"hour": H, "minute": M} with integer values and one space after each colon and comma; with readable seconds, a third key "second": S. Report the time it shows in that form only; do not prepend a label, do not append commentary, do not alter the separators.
{"hour": 12, "minute": 42}
